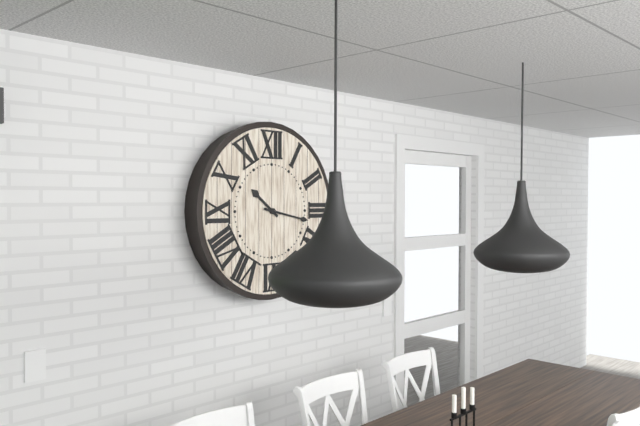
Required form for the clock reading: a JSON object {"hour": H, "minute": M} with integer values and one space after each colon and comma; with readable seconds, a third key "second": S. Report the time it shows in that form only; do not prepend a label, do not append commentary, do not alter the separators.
{"hour": 10, "minute": 17}
